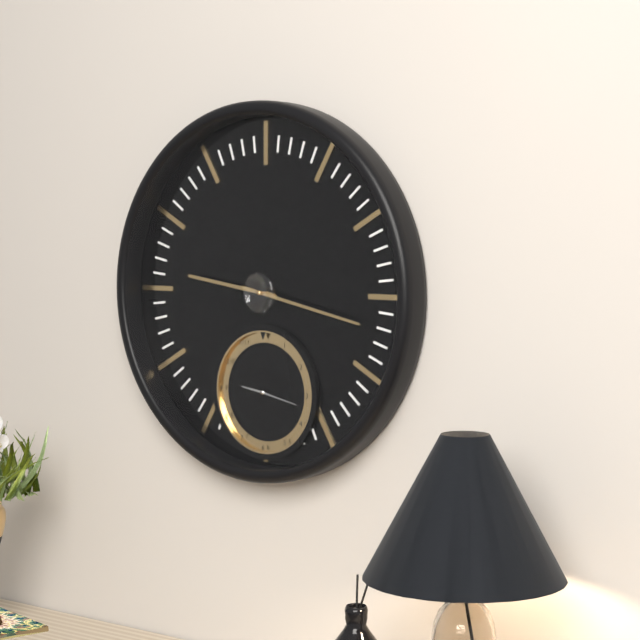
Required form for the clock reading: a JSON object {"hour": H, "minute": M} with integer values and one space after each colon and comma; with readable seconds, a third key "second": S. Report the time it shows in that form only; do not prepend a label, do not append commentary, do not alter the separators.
{"hour": 9, "minute": 17}
